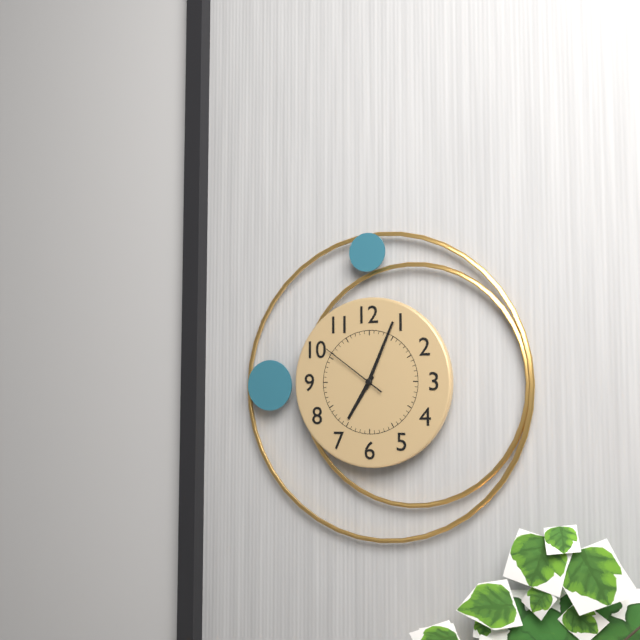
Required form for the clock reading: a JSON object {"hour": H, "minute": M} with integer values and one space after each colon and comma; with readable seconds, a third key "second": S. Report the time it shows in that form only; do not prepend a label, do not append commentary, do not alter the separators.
{"hour": 7, "minute": 4, "second": 51}
